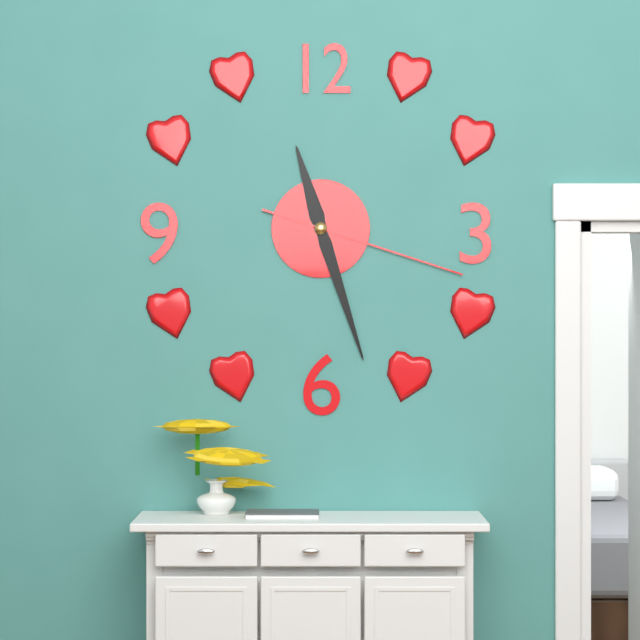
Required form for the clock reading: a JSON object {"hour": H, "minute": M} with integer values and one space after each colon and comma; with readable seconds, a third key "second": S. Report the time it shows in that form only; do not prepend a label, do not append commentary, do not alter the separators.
{"hour": 11, "minute": 27, "second": 18}
